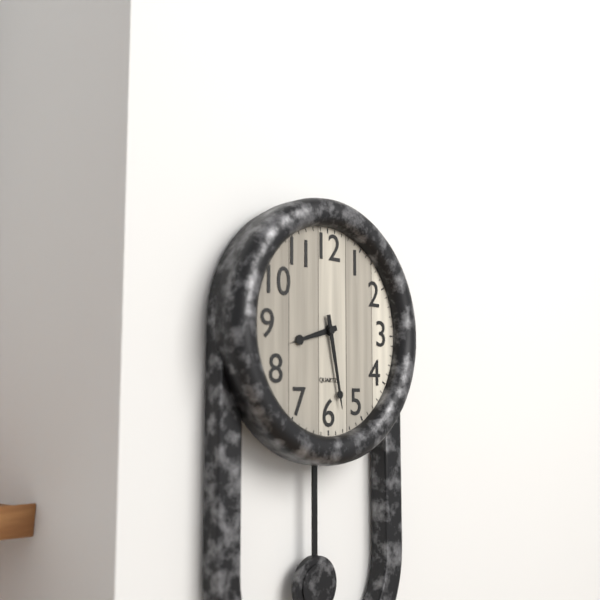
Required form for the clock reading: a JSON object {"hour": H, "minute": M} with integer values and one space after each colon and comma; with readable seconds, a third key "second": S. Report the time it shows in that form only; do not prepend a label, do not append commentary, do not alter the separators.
{"hour": 8, "minute": 28}
